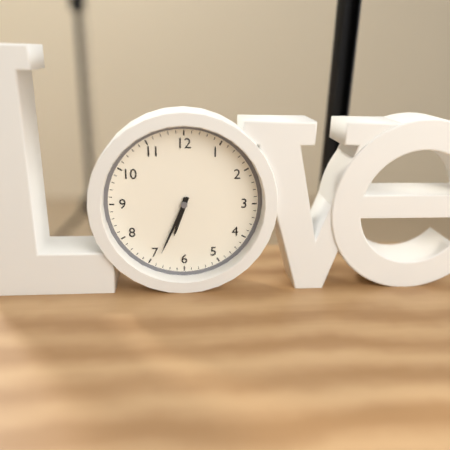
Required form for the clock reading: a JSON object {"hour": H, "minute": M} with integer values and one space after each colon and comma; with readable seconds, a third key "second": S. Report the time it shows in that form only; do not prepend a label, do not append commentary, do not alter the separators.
{"hour": 6, "minute": 34}
